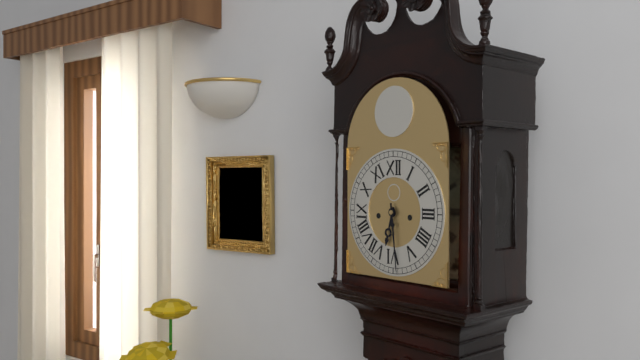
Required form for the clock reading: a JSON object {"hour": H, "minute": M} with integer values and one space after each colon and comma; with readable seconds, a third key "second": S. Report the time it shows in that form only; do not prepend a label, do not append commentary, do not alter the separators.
{"hour": 6, "minute": 29}
